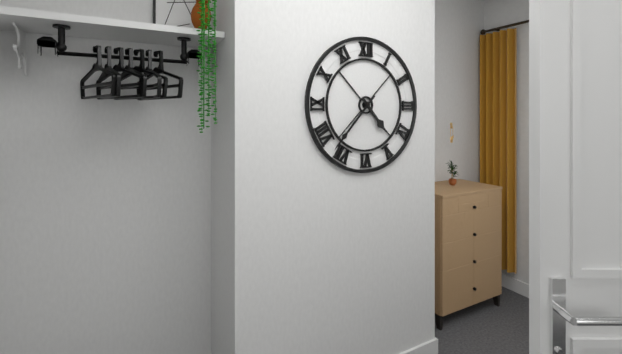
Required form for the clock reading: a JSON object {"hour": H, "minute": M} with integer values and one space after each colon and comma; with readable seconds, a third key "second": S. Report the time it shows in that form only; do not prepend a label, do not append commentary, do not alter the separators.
{"hour": 4, "minute": 37}
